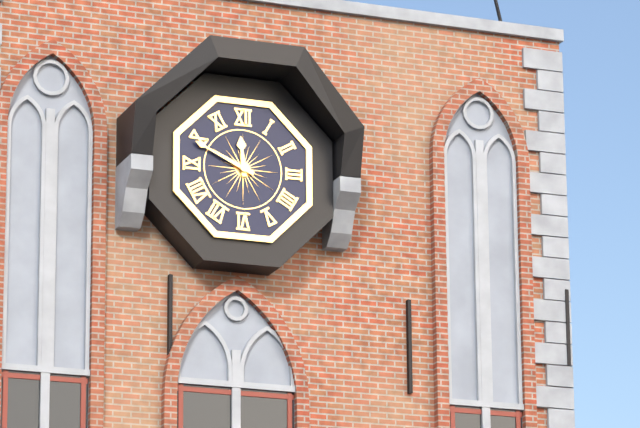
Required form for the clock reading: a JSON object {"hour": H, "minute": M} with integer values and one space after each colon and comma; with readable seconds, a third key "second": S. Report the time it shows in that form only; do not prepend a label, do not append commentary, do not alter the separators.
{"hour": 11, "minute": 49}
